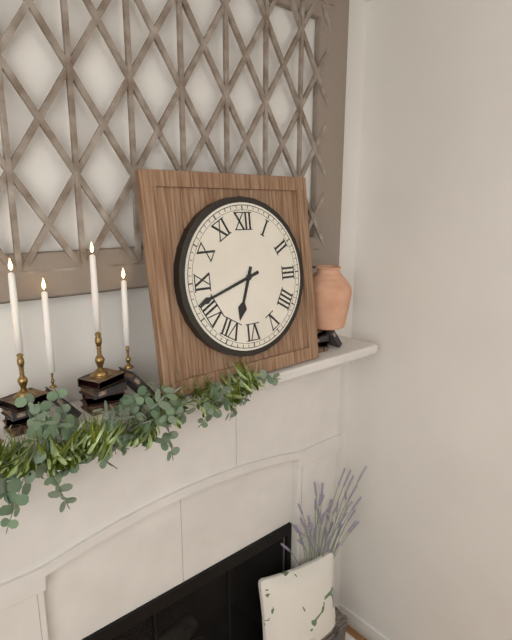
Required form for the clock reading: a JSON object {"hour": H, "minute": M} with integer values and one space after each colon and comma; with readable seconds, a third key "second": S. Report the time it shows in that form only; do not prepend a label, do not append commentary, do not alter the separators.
{"hour": 6, "minute": 42}
